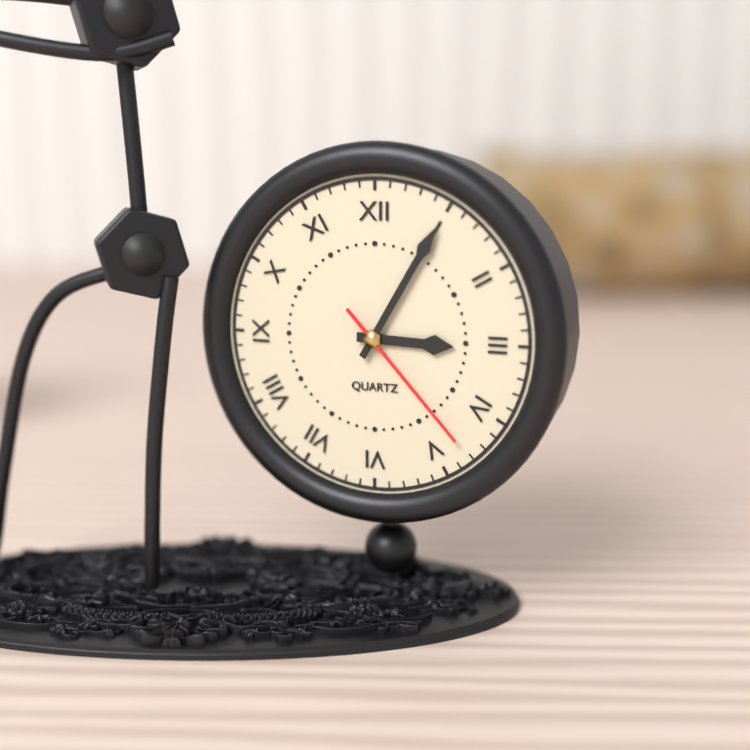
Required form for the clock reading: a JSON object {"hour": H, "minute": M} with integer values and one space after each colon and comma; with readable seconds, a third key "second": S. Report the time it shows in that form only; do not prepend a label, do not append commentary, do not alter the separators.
{"hour": 3, "minute": 5, "second": 23}
